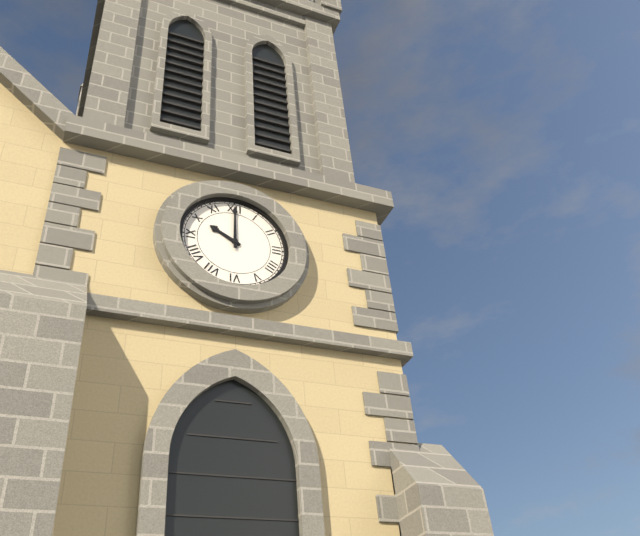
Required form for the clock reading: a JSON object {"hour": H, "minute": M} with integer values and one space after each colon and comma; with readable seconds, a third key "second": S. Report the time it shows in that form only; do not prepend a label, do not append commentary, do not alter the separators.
{"hour": 10, "minute": 0}
